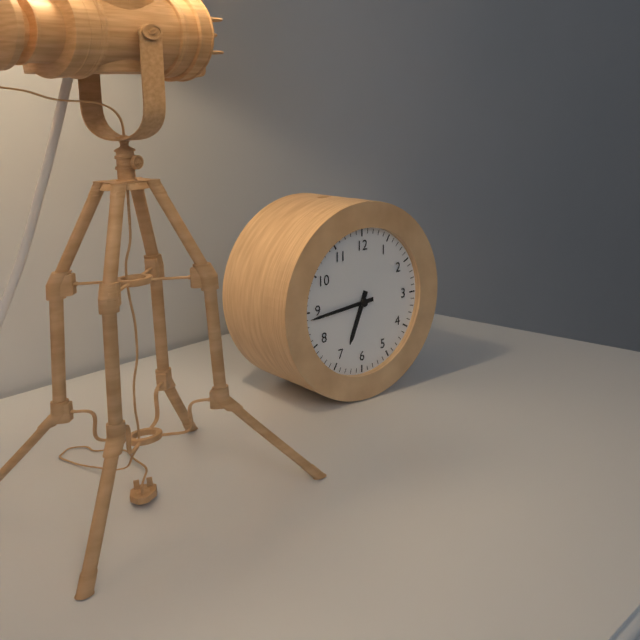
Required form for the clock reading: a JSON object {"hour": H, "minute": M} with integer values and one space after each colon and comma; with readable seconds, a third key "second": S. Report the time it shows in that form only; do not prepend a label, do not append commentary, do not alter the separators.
{"hour": 6, "minute": 44}
